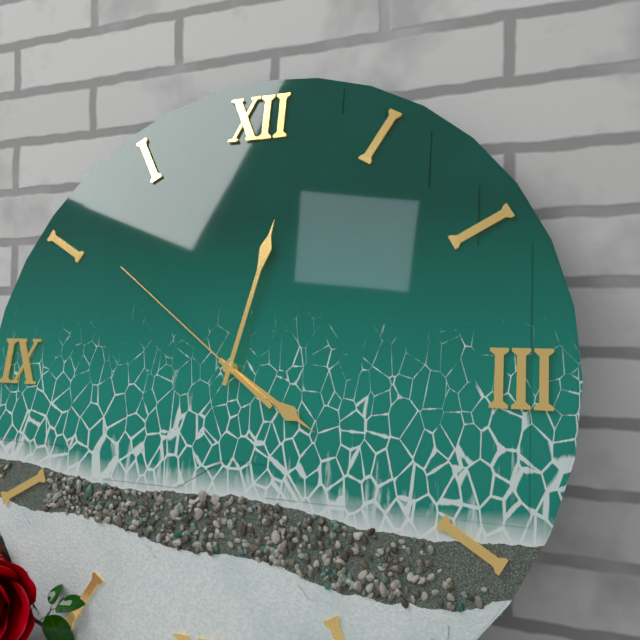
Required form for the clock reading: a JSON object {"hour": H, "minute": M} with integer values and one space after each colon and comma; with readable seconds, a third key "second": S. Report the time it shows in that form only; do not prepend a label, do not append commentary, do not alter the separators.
{"hour": 4, "minute": 2, "second": 51}
